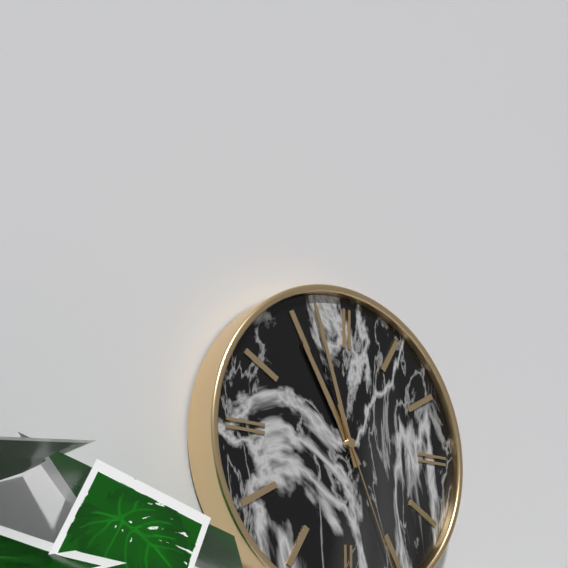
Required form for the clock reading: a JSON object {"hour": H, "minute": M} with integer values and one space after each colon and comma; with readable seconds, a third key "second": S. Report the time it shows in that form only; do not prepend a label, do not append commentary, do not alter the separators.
{"hour": 10, "minute": 57}
